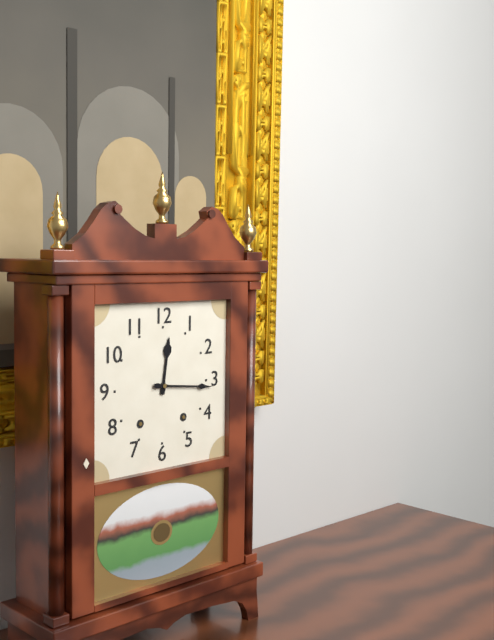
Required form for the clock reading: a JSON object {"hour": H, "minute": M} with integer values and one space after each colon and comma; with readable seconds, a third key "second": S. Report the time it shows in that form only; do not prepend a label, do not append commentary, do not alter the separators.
{"hour": 12, "minute": 16}
